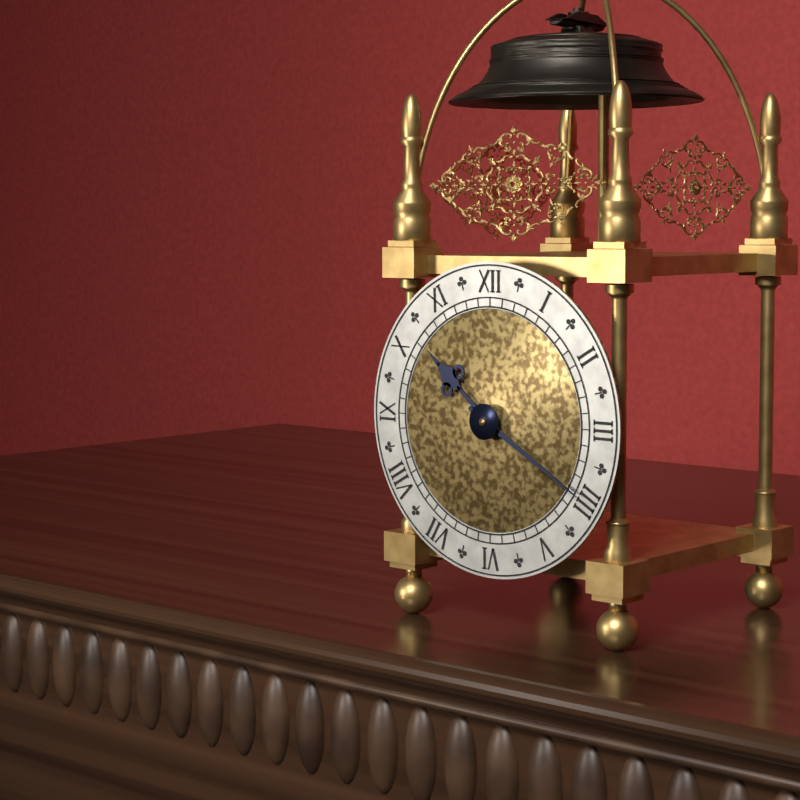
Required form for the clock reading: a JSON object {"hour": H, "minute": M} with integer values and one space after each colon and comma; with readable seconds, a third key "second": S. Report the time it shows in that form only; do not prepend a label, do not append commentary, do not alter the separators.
{"hour": 10, "minute": 20}
